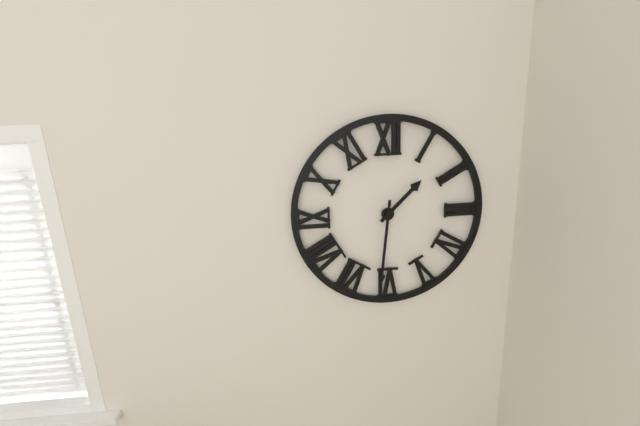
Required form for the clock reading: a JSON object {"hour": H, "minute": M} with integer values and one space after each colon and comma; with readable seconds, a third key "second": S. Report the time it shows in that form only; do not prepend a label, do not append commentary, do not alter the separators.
{"hour": 1, "minute": 31}
